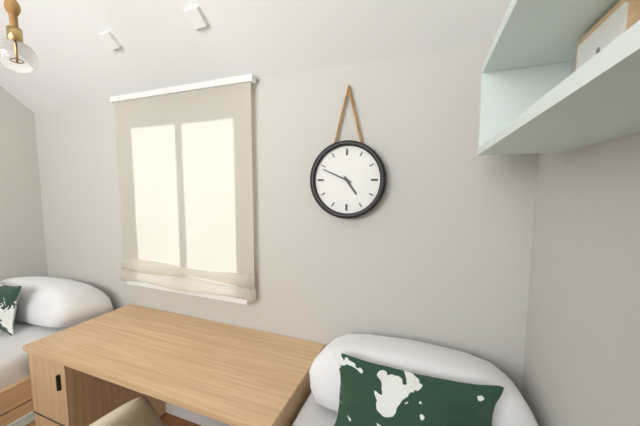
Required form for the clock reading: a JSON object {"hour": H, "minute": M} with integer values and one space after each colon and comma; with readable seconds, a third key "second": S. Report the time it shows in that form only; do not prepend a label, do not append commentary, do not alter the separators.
{"hour": 4, "minute": 49}
